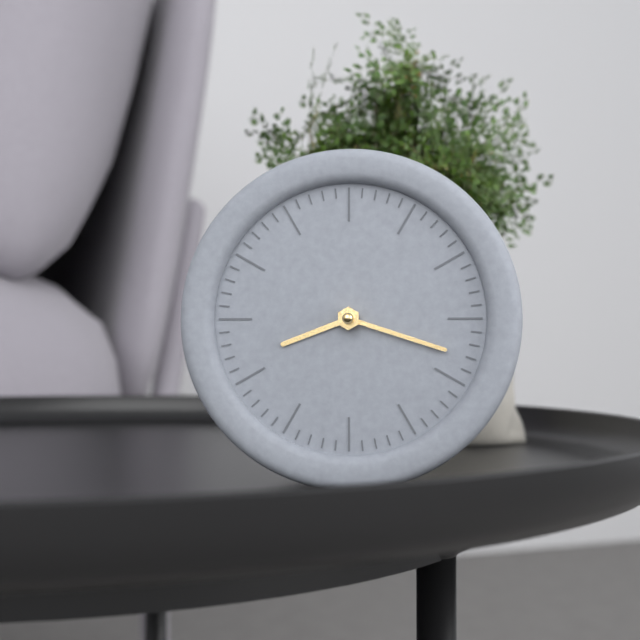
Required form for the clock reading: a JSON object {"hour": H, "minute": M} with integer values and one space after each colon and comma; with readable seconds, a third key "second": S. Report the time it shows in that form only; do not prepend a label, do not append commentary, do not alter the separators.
{"hour": 8, "minute": 18}
